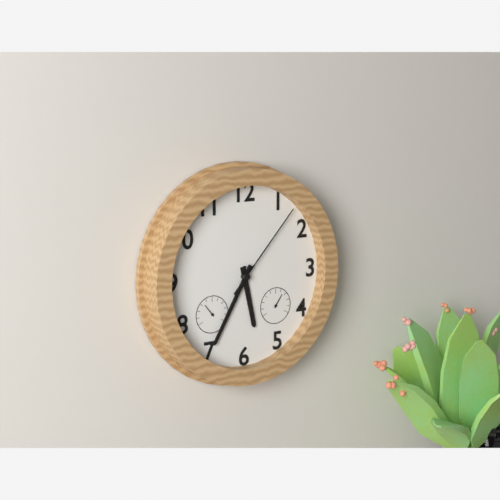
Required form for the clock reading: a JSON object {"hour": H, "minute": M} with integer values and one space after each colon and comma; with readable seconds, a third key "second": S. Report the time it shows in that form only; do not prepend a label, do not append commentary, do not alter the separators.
{"hour": 5, "minute": 35, "second": 7}
